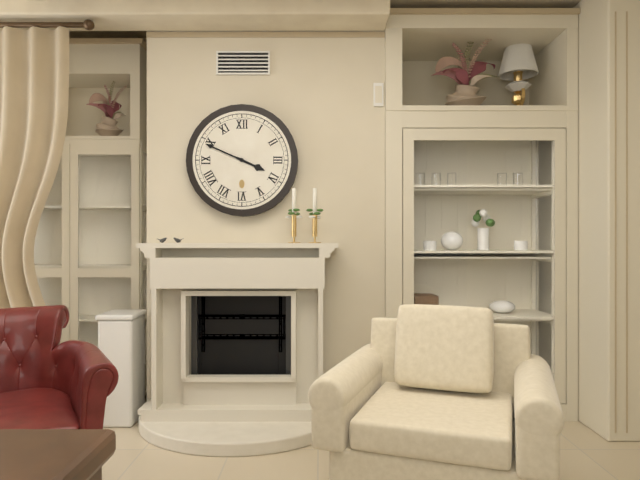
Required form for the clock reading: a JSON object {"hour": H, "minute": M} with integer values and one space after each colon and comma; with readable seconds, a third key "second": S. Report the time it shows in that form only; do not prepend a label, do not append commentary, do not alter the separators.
{"hour": 3, "minute": 49}
